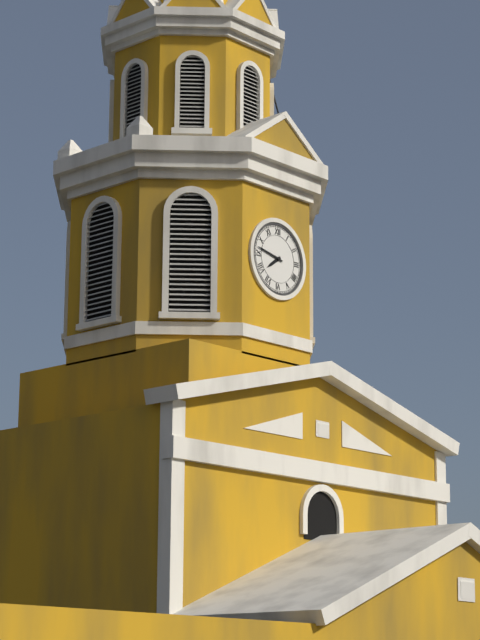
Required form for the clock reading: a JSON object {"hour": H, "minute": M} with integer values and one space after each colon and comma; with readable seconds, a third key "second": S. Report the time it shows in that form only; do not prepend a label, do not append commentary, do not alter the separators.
{"hour": 7, "minute": 47}
